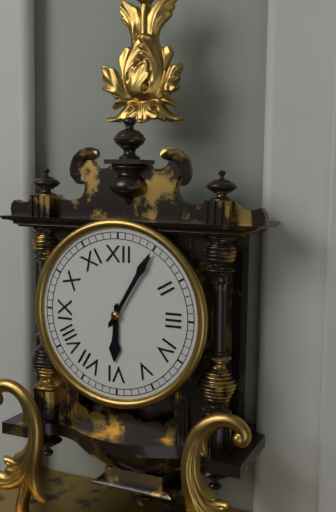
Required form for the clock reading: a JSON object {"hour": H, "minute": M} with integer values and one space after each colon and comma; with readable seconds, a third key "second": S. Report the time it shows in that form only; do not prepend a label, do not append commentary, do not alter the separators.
{"hour": 6, "minute": 5}
